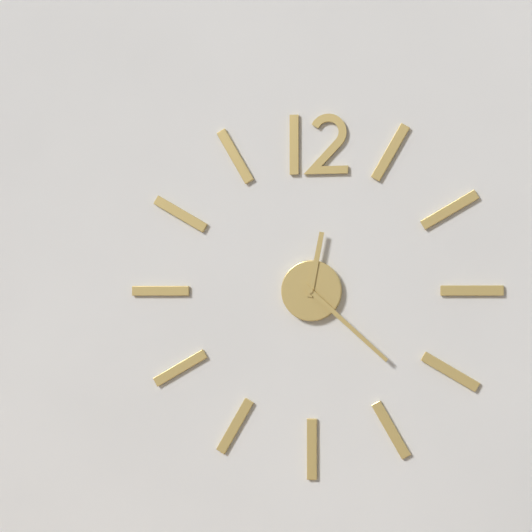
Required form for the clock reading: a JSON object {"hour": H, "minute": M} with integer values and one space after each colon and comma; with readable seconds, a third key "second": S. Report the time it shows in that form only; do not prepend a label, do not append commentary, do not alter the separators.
{"hour": 12, "minute": 22}
